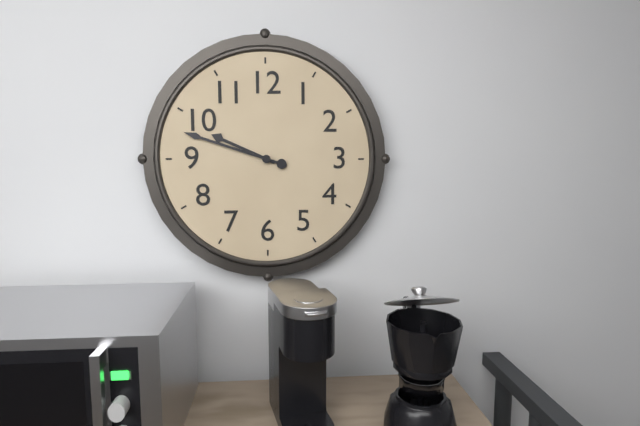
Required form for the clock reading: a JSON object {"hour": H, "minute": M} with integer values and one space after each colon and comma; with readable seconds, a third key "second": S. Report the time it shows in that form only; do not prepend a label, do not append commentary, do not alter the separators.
{"hour": 9, "minute": 48}
